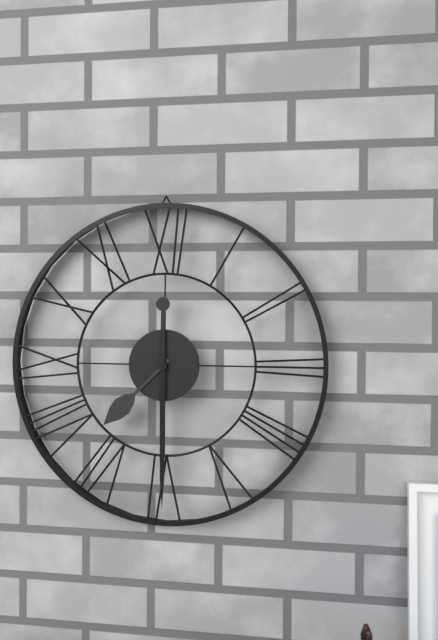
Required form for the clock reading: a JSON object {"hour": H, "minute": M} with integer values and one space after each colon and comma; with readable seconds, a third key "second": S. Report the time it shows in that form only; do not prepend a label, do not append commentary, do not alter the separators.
{"hour": 7, "minute": 30}
